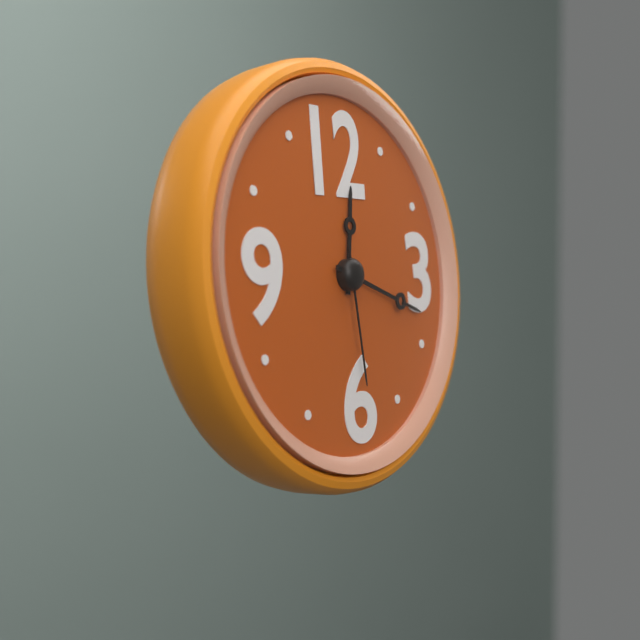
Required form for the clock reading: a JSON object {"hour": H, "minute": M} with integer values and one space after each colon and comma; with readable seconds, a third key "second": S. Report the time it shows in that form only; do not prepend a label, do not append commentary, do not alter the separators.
{"hour": 12, "minute": 18, "second": 29}
